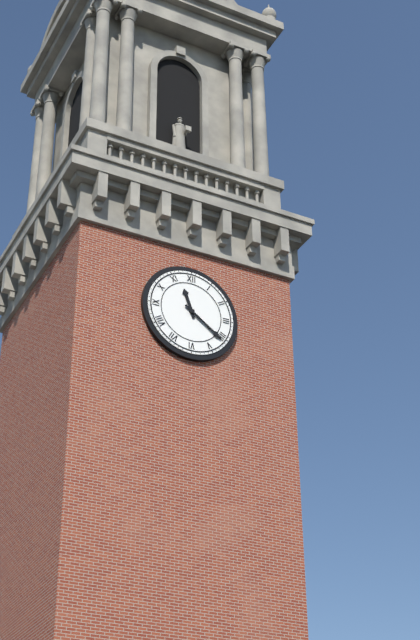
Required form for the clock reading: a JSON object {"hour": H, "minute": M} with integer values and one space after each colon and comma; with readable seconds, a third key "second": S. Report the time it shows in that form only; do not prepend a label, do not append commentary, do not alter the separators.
{"hour": 11, "minute": 21}
